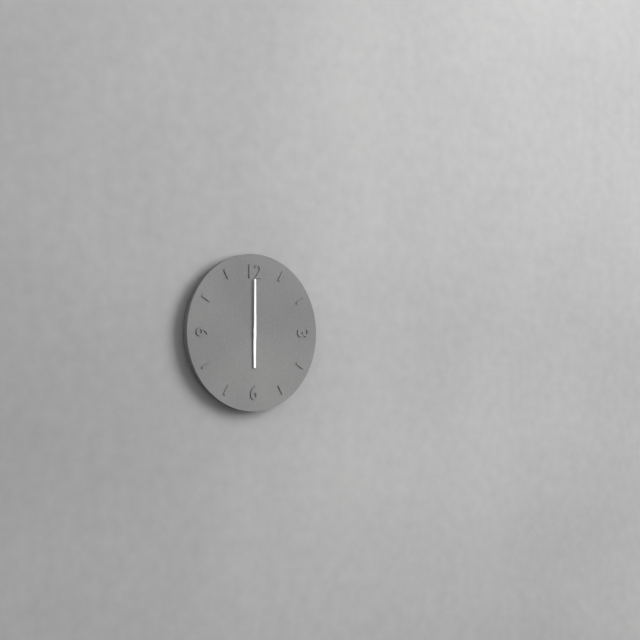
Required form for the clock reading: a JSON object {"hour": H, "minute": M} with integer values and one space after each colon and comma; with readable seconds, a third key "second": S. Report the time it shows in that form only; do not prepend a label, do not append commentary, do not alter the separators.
{"hour": 6, "minute": 0}
